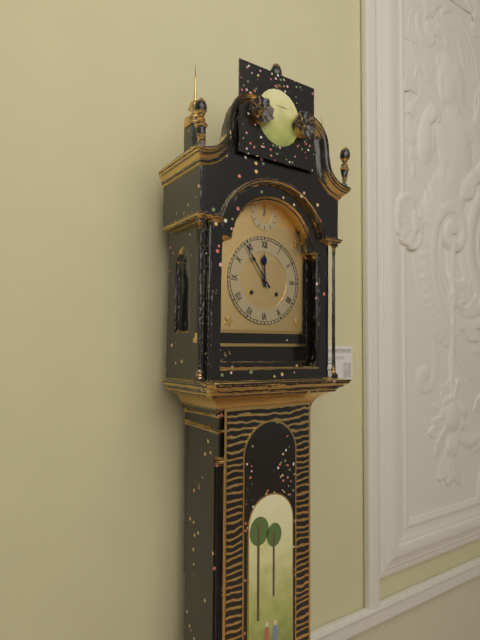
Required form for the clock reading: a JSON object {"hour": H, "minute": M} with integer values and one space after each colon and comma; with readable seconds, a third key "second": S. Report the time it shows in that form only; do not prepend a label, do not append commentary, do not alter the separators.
{"hour": 11, "minute": 54}
